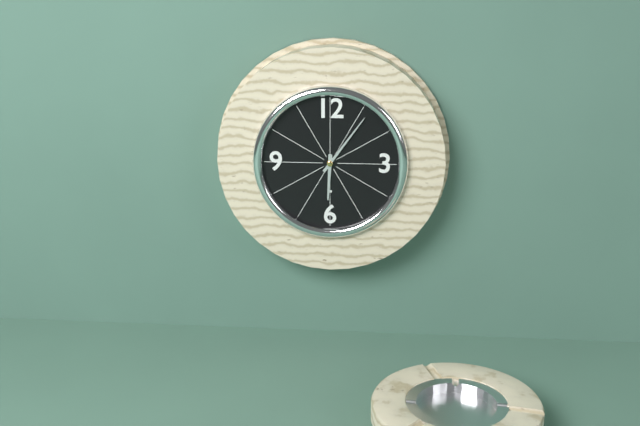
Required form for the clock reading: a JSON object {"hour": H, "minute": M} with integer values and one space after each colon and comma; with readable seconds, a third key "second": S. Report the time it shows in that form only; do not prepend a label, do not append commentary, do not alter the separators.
{"hour": 6, "minute": 6}
